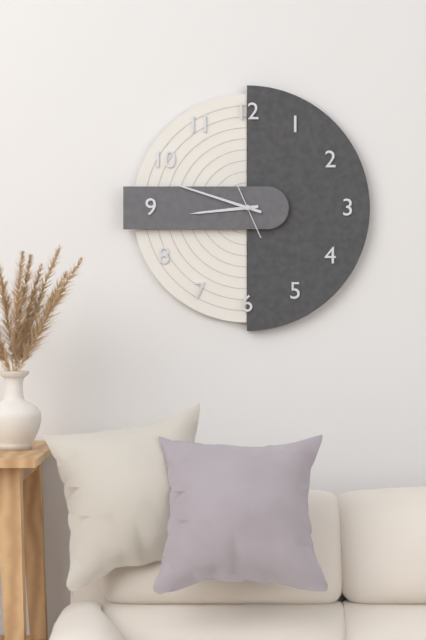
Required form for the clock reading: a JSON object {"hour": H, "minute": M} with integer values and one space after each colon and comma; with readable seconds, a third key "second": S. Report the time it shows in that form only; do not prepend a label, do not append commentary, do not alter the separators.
{"hour": 8, "minute": 48, "second": 56}
